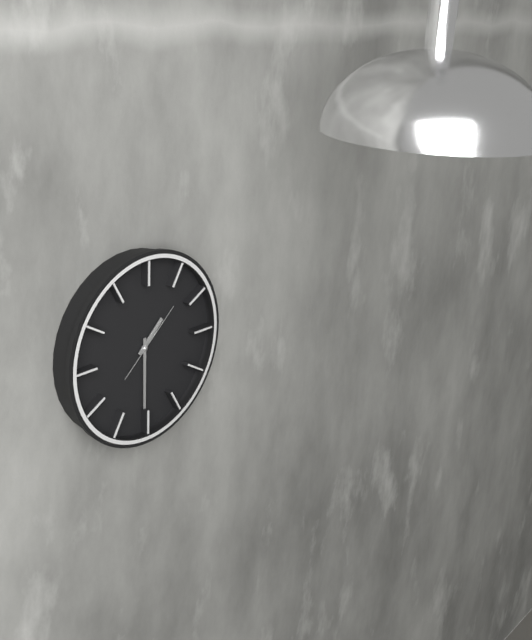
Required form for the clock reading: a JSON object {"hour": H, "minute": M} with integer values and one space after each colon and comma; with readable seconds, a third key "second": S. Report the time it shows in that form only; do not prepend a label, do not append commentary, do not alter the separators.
{"hour": 1, "minute": 30, "second": 8}
